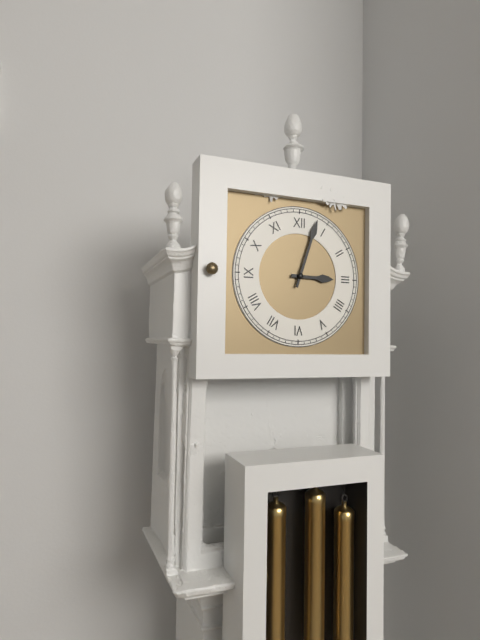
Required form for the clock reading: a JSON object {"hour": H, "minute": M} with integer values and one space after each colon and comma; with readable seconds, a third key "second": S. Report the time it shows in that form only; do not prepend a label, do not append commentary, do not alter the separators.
{"hour": 3, "minute": 3}
